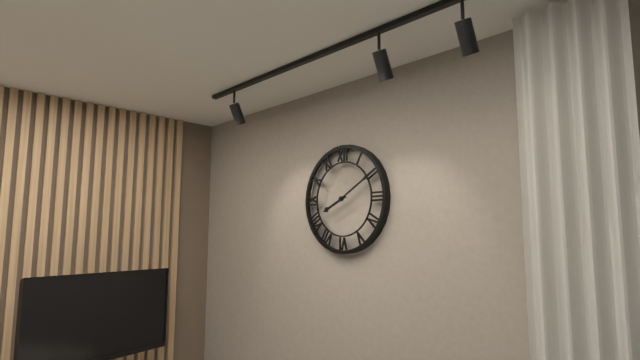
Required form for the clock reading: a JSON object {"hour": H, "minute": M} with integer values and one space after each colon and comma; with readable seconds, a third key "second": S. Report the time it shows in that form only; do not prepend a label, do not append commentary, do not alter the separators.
{"hour": 8, "minute": 10}
